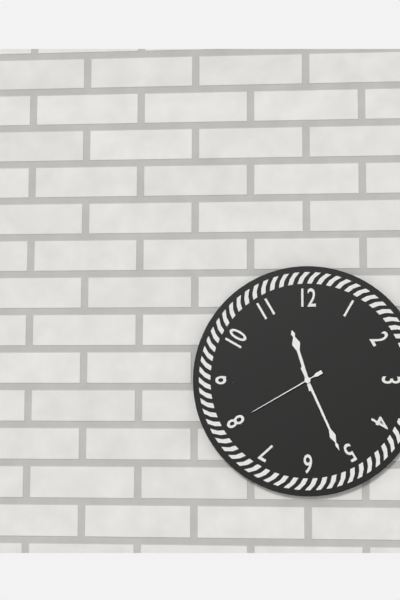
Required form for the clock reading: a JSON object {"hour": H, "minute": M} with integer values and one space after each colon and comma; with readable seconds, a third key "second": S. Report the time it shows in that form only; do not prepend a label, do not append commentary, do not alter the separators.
{"hour": 11, "minute": 26, "second": 40}
